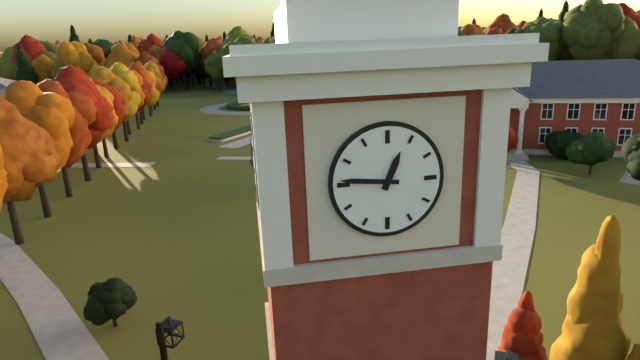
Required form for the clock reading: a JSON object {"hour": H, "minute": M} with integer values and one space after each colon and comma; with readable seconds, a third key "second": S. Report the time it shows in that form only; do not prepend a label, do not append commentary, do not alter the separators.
{"hour": 12, "minute": 46}
